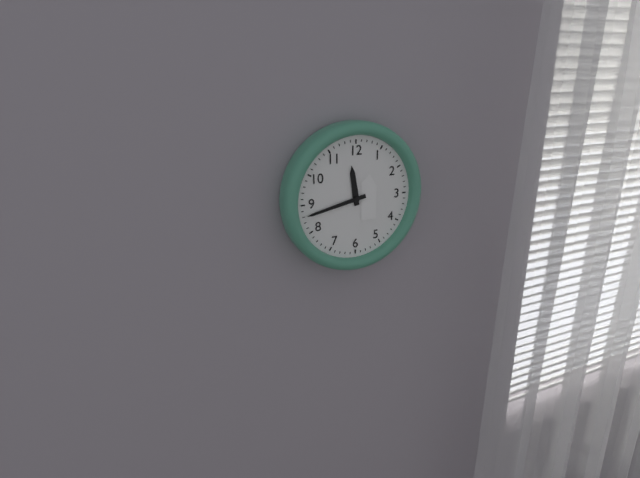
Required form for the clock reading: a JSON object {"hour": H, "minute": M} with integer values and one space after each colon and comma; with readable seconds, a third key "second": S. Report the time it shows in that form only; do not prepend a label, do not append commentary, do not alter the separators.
{"hour": 11, "minute": 43}
